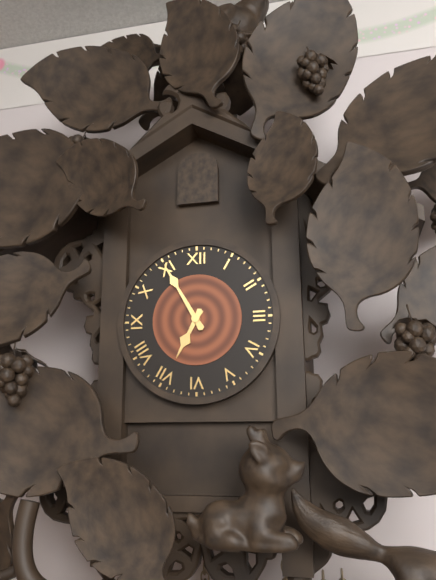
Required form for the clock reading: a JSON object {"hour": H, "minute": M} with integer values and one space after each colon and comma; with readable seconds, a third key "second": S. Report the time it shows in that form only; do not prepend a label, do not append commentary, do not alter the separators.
{"hour": 6, "minute": 55}
